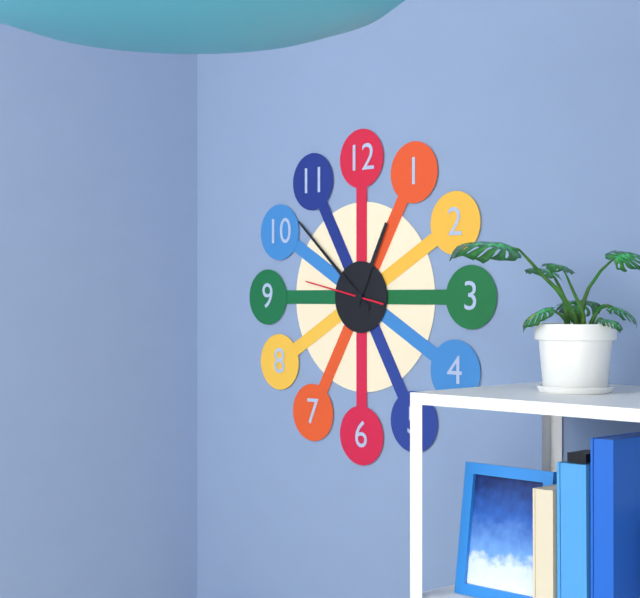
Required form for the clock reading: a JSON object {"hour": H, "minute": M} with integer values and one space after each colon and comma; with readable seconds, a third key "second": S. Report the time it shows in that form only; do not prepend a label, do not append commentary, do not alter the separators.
{"hour": 12, "minute": 52, "second": 47}
